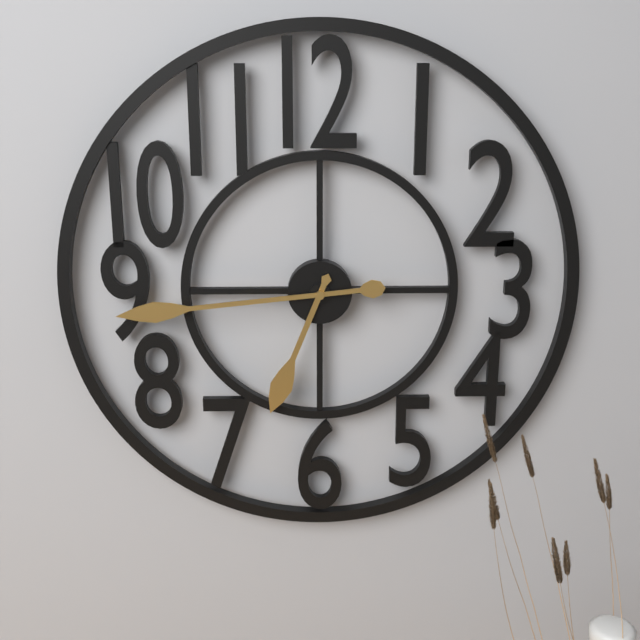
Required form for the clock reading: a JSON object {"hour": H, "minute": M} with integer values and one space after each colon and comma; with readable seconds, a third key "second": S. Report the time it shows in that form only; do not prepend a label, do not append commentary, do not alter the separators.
{"hour": 6, "minute": 44}
